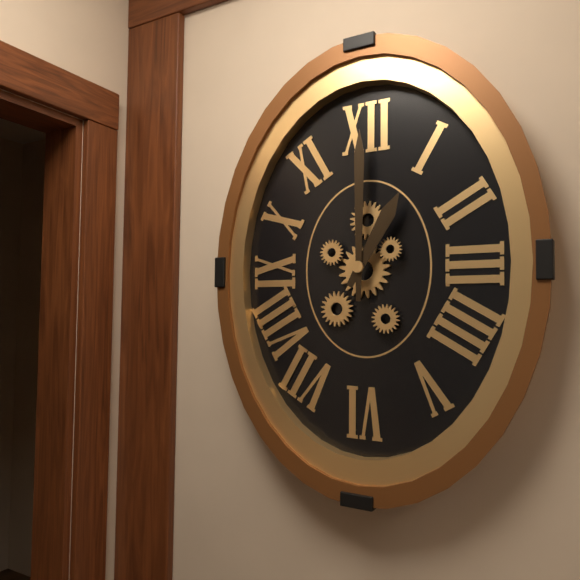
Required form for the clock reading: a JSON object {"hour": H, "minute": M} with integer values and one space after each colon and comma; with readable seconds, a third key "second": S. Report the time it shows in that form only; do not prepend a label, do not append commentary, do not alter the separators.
{"hour": 1, "minute": 0}
